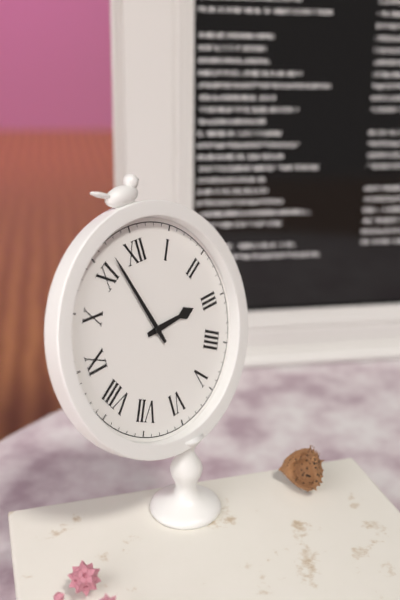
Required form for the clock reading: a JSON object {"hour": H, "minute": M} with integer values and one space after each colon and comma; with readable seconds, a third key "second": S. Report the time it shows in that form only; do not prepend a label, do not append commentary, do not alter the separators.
{"hour": 2, "minute": 57}
